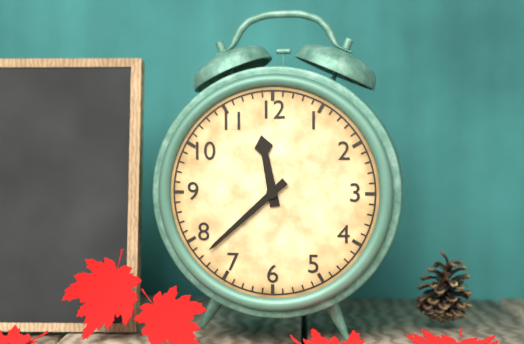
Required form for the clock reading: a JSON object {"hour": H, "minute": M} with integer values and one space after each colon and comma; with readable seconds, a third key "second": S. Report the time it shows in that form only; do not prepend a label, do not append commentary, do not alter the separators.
{"hour": 11, "minute": 38}
